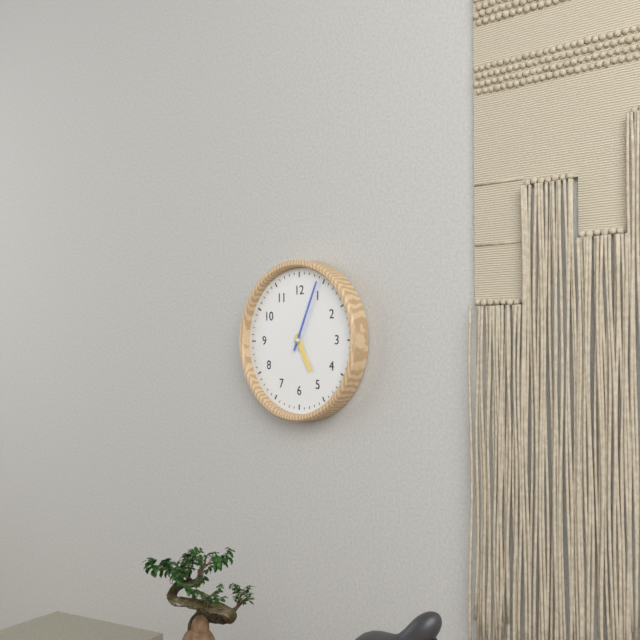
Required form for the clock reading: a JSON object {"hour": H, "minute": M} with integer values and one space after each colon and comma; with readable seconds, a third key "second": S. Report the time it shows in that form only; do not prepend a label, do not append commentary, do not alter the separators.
{"hour": 5, "minute": 4}
